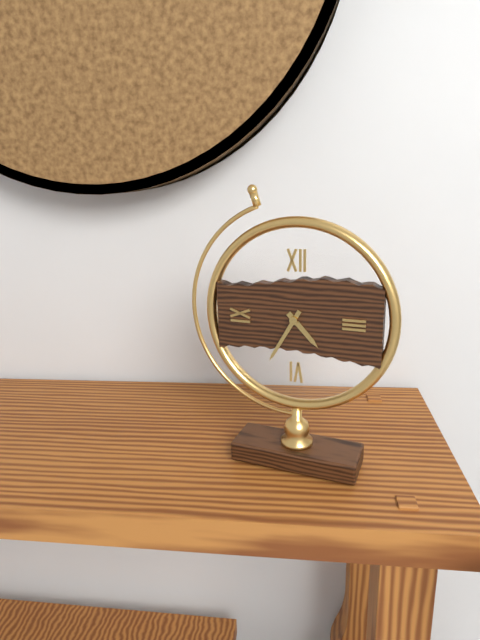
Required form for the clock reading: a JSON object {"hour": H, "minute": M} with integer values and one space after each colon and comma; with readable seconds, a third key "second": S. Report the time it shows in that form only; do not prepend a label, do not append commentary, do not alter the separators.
{"hour": 4, "minute": 35}
